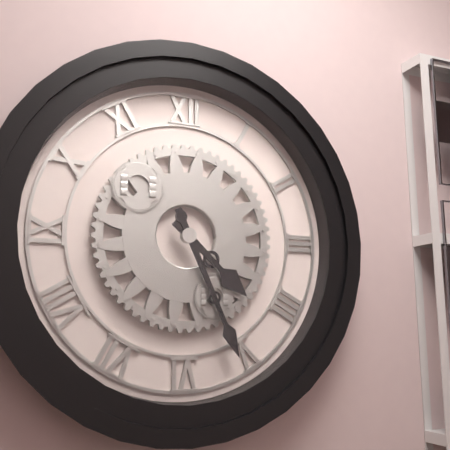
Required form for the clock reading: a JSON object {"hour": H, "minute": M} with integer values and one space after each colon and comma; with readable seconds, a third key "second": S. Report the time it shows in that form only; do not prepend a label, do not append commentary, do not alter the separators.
{"hour": 4, "minute": 26}
